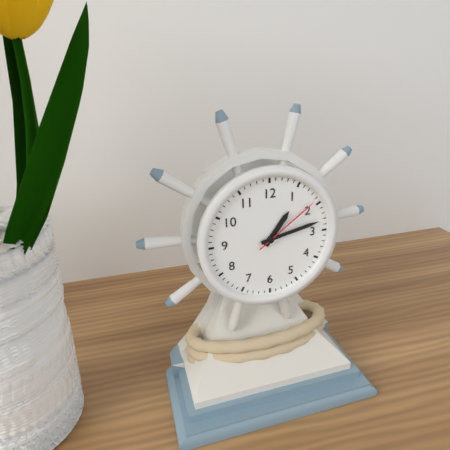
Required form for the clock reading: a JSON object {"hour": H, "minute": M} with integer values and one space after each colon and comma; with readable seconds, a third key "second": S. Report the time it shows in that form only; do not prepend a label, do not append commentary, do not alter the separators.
{"hour": 1, "minute": 13, "second": 9}
